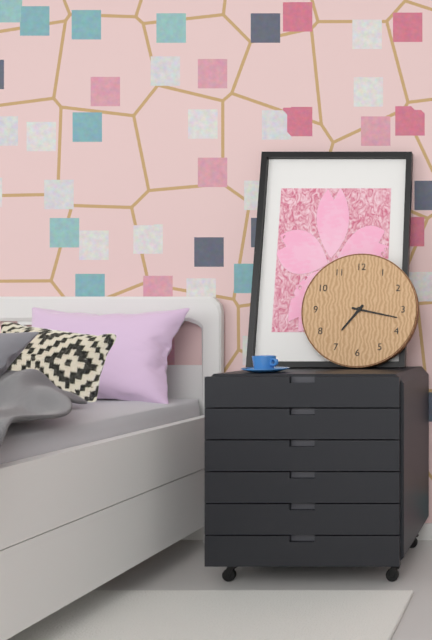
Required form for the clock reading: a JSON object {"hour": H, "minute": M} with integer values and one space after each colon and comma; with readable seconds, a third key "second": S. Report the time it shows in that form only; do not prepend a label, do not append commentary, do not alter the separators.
{"hour": 7, "minute": 17}
